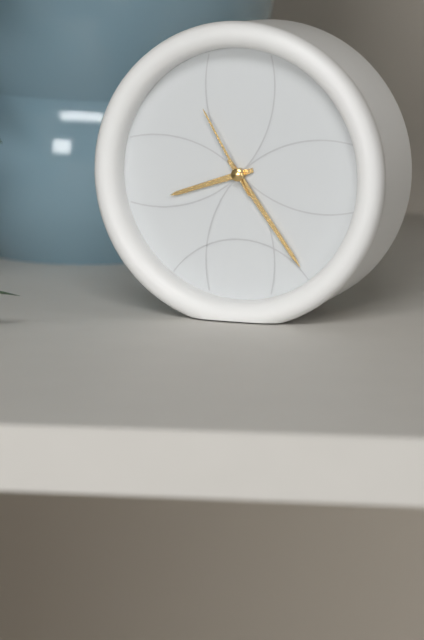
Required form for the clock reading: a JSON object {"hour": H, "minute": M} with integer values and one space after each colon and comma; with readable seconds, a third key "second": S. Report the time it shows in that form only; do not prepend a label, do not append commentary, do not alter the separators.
{"hour": 8, "minute": 24, "second": 55}
